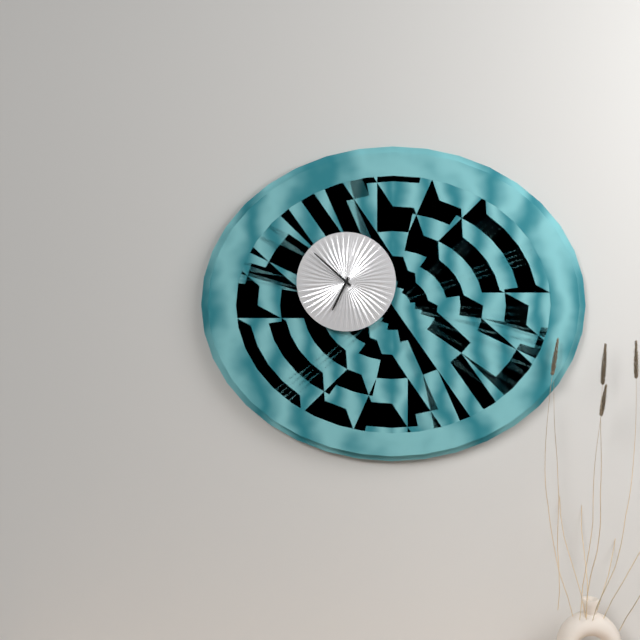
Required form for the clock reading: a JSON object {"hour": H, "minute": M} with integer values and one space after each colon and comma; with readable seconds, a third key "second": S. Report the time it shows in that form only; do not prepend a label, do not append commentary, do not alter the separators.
{"hour": 6, "minute": 52}
